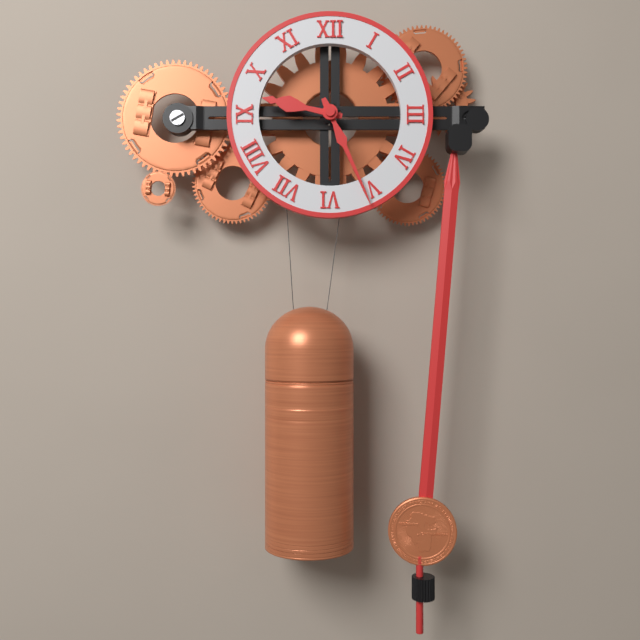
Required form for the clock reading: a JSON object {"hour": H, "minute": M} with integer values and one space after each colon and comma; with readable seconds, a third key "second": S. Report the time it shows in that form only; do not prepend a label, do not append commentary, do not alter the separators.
{"hour": 9, "minute": 26}
